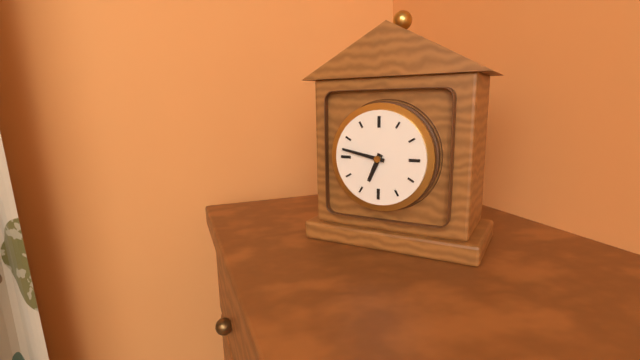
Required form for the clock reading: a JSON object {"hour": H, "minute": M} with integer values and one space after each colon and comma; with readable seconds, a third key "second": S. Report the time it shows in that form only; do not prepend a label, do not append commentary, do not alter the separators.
{"hour": 6, "minute": 47}
